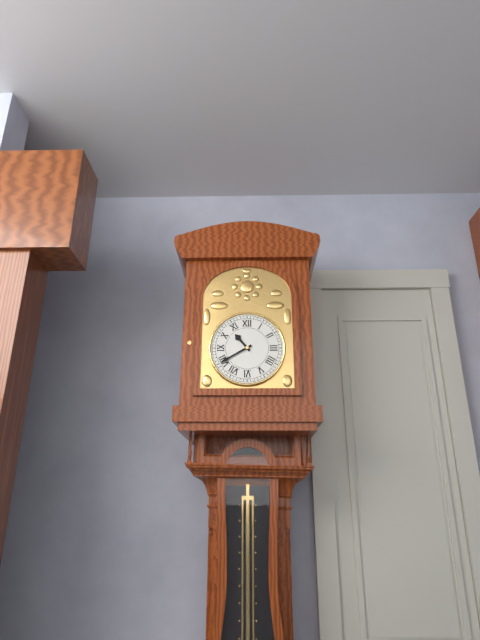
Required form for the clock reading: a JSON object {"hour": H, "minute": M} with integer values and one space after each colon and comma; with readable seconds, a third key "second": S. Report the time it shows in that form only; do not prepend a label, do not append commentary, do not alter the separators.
{"hour": 10, "minute": 40}
